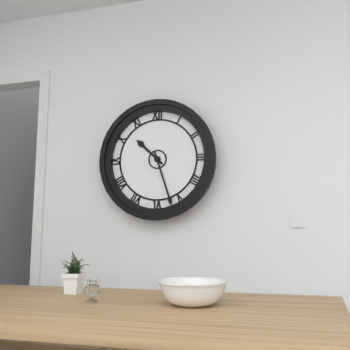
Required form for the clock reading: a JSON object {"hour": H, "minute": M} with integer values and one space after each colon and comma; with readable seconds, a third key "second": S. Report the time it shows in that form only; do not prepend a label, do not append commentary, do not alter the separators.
{"hour": 10, "minute": 27}
